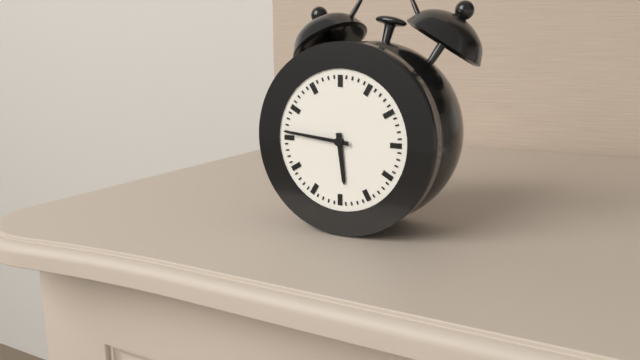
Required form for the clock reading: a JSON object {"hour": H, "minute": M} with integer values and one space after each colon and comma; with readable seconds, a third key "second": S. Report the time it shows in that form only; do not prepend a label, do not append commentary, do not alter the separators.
{"hour": 5, "minute": 46}
